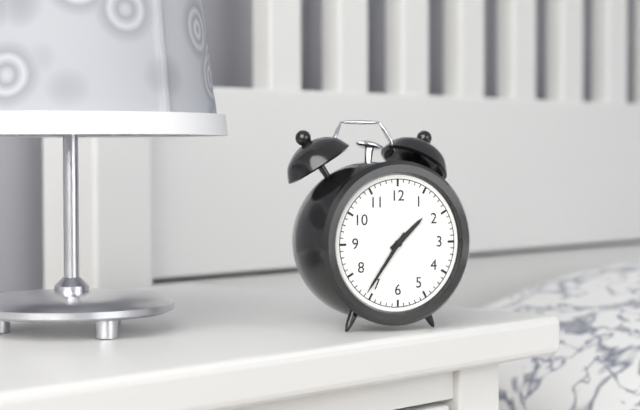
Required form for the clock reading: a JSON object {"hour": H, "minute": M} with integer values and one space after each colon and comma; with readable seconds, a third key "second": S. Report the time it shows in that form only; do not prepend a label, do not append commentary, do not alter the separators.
{"hour": 1, "minute": 36}
